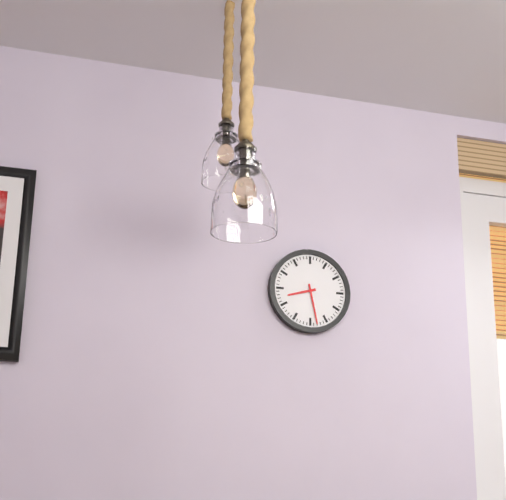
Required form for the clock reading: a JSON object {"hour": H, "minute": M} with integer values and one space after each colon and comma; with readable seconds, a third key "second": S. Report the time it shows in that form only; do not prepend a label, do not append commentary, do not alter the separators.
{"hour": 8, "minute": 28}
